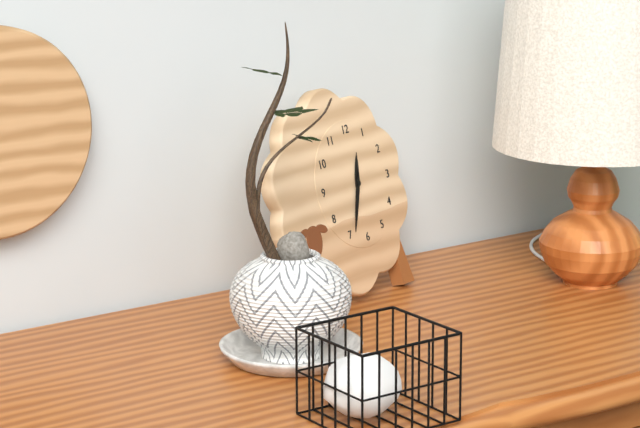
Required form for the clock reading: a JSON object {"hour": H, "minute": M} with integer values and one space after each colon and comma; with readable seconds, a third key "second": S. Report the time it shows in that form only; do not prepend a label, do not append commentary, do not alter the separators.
{"hour": 12, "minute": 34}
